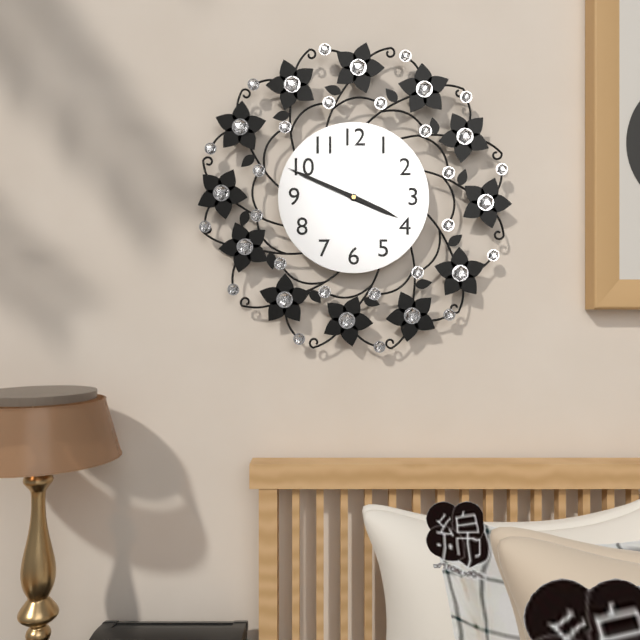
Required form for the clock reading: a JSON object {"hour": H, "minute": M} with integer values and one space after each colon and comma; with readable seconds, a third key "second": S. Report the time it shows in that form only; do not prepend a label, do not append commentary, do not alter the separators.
{"hour": 3, "minute": 49}
